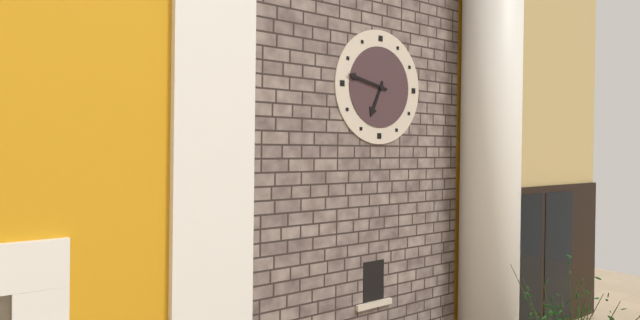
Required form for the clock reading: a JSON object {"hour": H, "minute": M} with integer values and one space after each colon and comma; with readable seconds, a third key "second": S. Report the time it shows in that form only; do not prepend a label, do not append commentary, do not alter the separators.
{"hour": 6, "minute": 47}
